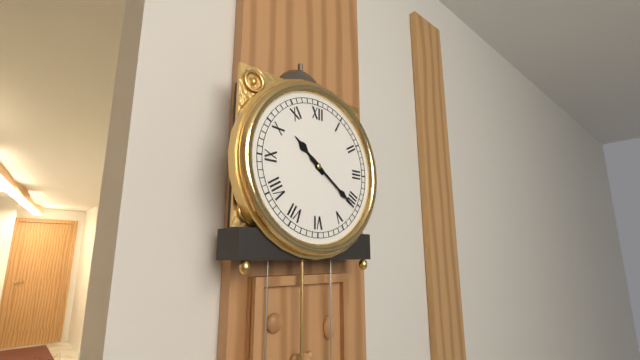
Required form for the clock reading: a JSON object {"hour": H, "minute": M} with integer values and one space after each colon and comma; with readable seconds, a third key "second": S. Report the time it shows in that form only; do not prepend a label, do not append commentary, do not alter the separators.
{"hour": 10, "minute": 21}
